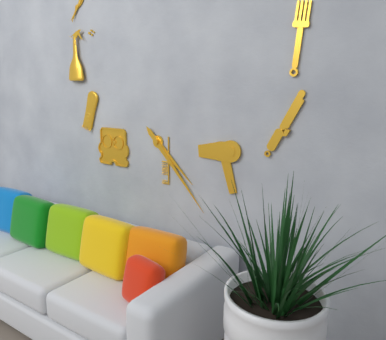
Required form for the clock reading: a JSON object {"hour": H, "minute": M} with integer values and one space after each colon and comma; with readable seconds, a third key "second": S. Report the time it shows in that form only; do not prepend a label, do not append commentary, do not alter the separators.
{"hour": 4, "minute": 23}
